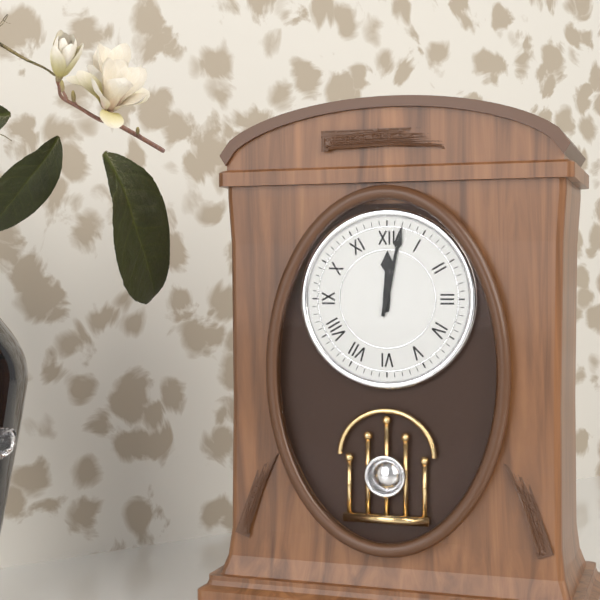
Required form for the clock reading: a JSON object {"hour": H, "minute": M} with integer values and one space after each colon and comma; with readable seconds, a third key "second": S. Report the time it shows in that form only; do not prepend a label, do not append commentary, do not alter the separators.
{"hour": 12, "minute": 2}
